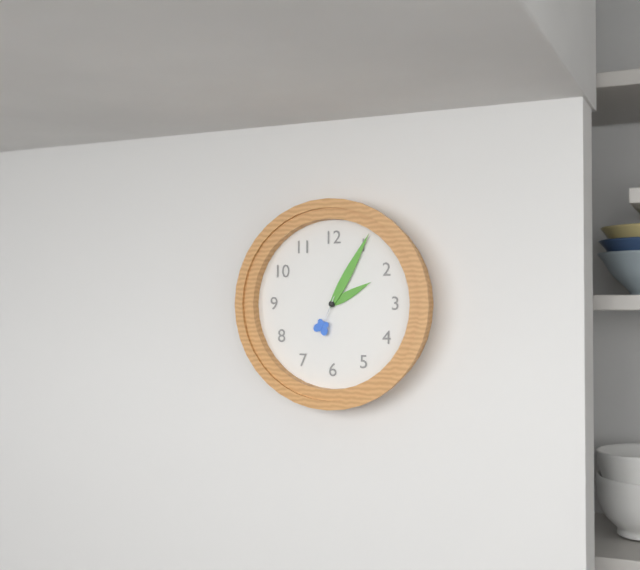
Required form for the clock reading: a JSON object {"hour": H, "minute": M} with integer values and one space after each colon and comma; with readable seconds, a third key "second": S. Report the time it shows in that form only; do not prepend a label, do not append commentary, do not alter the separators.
{"hour": 2, "minute": 5}
